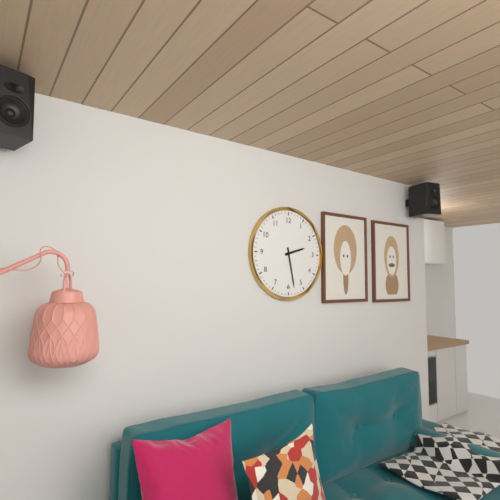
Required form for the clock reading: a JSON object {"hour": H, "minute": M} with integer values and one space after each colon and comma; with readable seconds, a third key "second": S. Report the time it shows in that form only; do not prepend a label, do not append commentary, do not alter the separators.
{"hour": 2, "minute": 28}
